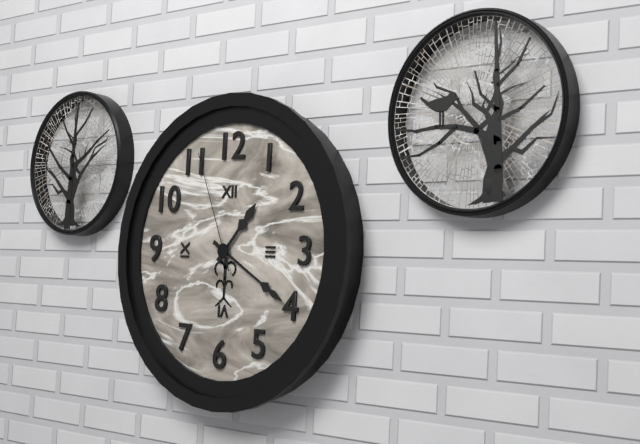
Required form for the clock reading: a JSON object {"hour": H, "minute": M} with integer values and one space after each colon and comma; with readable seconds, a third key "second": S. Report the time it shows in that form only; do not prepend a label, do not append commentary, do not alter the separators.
{"hour": 1, "minute": 20, "second": 56}
